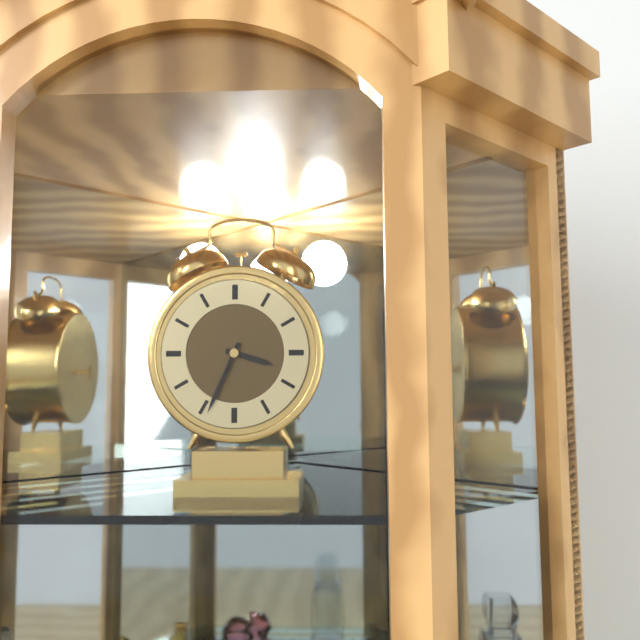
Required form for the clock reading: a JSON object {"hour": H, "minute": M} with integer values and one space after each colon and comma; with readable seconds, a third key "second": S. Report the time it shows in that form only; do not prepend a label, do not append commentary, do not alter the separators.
{"hour": 3, "minute": 34}
